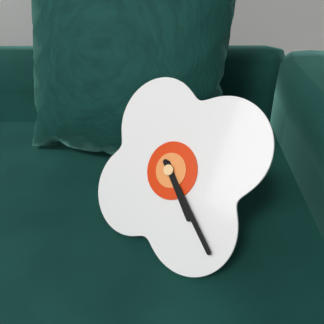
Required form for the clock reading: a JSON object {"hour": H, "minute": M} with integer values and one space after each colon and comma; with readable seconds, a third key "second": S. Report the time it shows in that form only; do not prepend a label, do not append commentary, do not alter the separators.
{"hour": 4, "minute": 21}
